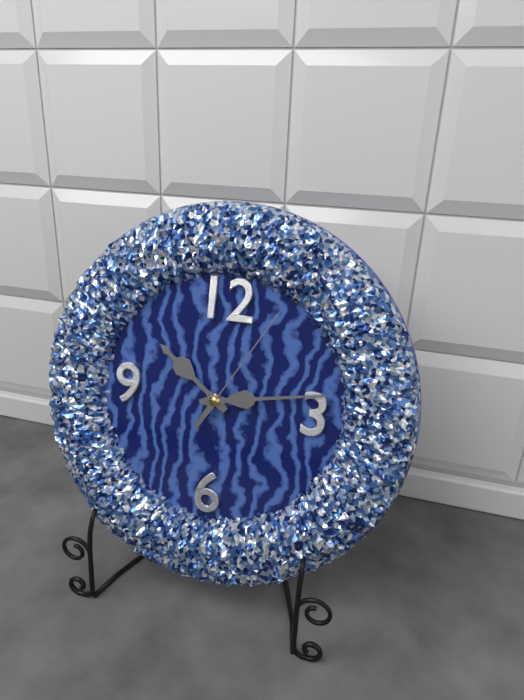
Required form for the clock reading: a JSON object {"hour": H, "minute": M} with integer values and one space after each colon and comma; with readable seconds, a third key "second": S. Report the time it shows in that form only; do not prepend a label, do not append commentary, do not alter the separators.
{"hour": 10, "minute": 13, "second": 5}
